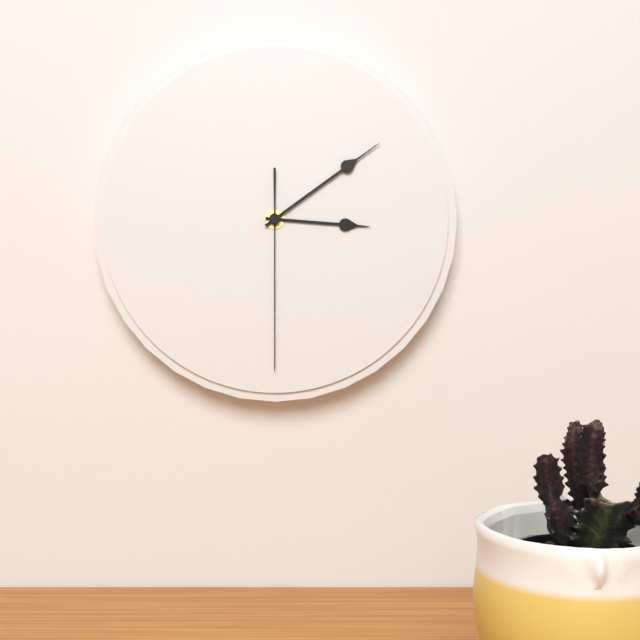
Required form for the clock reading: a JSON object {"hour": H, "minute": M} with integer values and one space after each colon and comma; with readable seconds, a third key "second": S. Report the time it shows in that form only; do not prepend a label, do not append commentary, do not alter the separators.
{"hour": 3, "minute": 9, "second": 30}
